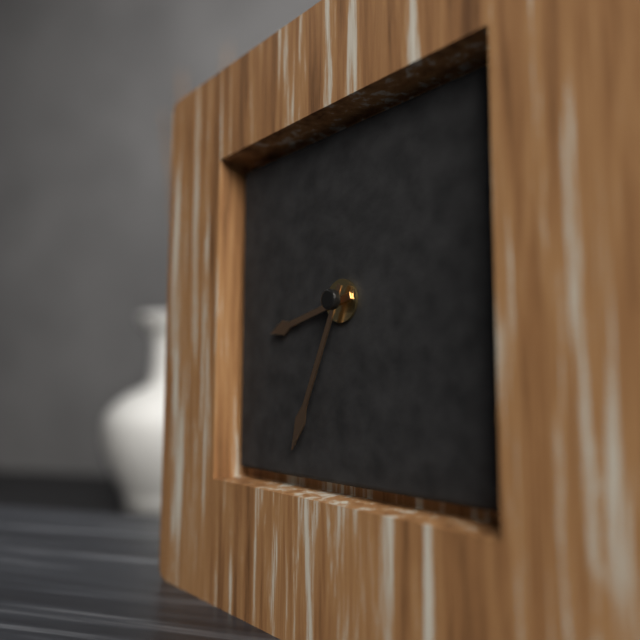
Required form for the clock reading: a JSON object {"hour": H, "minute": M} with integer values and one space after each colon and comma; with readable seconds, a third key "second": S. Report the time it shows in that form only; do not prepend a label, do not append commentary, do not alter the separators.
{"hour": 8, "minute": 34}
